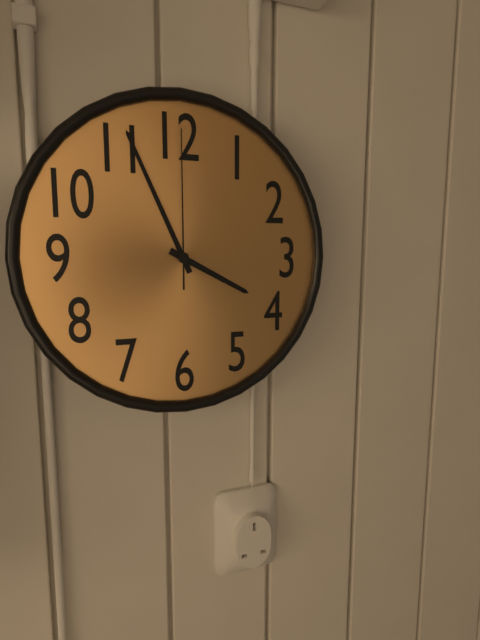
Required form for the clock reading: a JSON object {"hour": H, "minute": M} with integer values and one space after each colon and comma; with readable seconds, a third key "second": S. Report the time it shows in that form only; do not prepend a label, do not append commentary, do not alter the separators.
{"hour": 3, "minute": 56, "second": 0}
